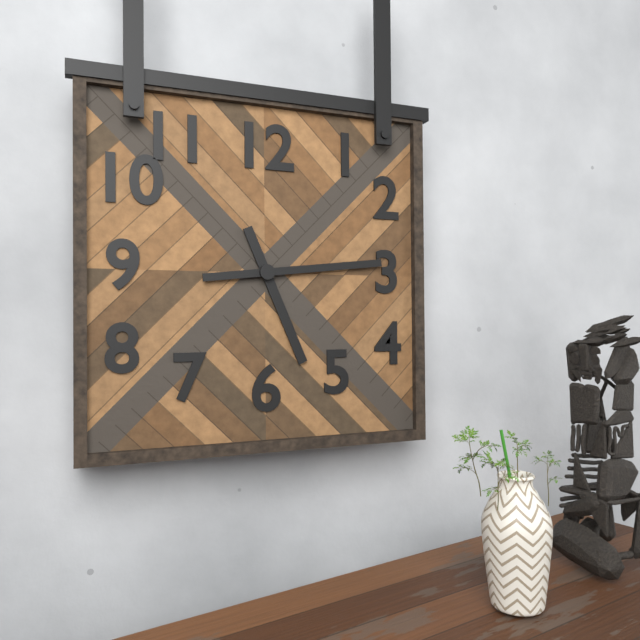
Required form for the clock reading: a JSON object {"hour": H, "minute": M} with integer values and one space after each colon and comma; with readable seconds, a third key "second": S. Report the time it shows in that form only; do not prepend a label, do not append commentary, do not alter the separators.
{"hour": 5, "minute": 14}
